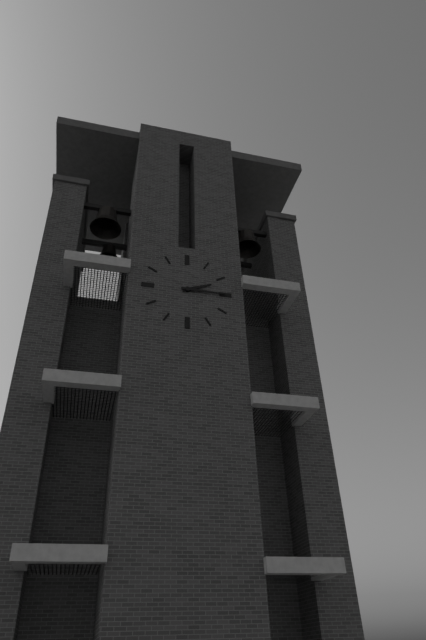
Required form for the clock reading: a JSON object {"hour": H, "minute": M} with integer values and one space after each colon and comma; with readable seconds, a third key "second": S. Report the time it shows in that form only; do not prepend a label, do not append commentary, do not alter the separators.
{"hour": 2, "minute": 15}
